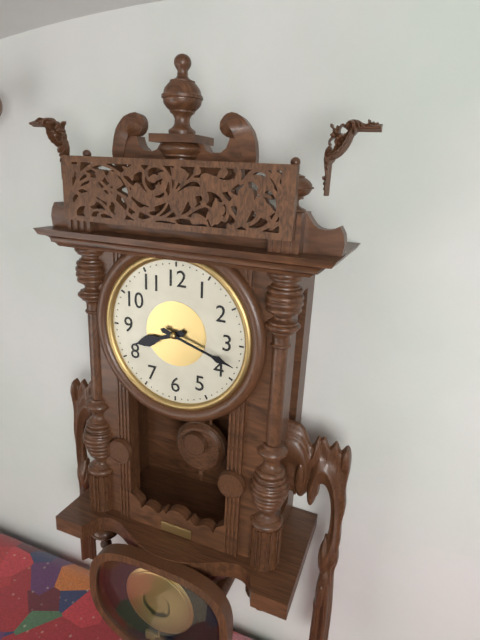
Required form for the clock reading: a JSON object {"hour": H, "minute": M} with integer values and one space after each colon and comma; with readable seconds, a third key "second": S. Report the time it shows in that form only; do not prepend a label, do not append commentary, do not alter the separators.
{"hour": 8, "minute": 18}
